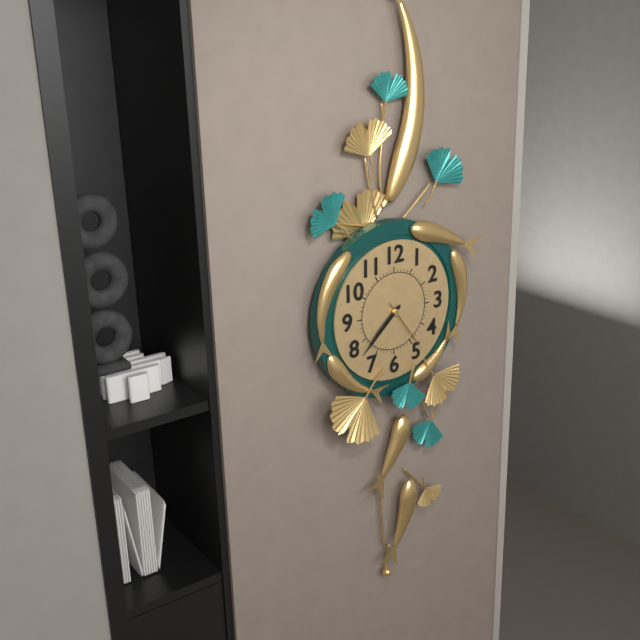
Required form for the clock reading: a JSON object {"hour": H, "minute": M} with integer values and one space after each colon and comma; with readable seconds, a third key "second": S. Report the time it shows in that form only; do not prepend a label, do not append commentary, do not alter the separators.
{"hour": 7, "minute": 38, "second": 24}
